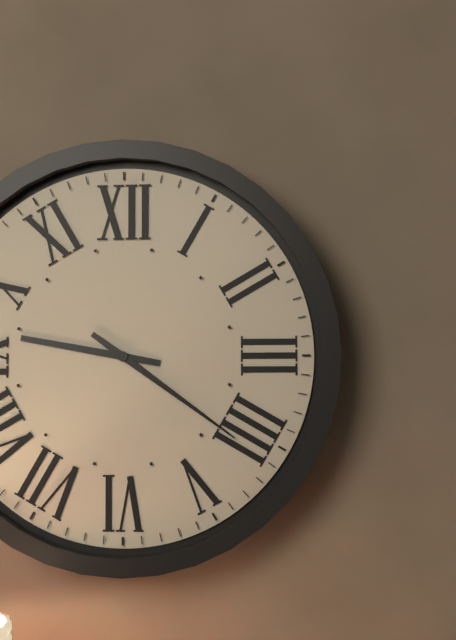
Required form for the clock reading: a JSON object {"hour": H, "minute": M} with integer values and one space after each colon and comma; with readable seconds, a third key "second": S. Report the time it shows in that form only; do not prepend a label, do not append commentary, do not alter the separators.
{"hour": 9, "minute": 21}
